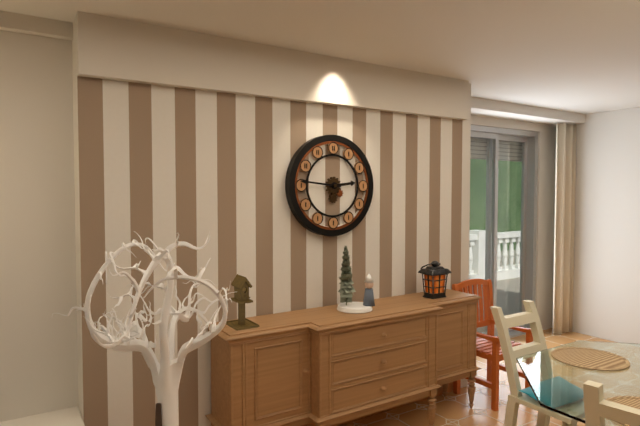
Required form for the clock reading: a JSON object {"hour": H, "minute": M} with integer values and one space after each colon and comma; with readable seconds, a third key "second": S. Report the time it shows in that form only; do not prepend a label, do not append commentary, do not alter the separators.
{"hour": 2, "minute": 46}
